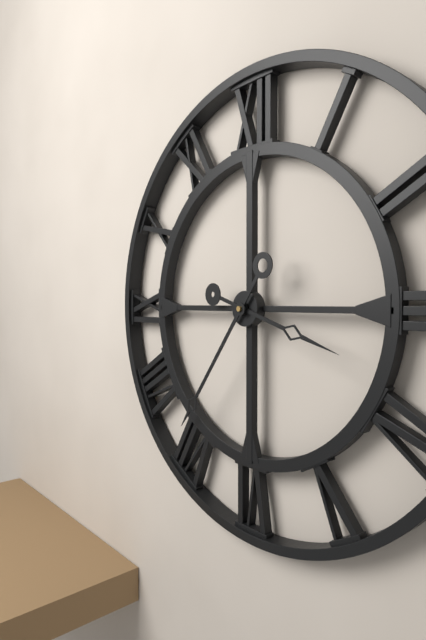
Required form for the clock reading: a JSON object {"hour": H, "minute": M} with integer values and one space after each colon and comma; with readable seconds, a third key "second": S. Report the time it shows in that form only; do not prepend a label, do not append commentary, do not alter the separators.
{"hour": 3, "minute": 36}
